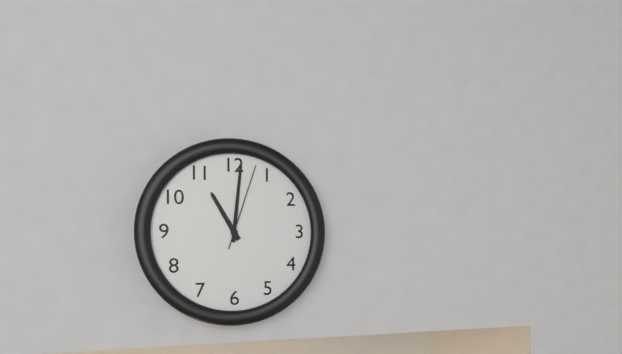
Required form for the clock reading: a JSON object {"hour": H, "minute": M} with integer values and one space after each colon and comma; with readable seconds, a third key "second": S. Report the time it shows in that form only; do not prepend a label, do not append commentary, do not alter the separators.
{"hour": 11, "minute": 1, "second": 3}
